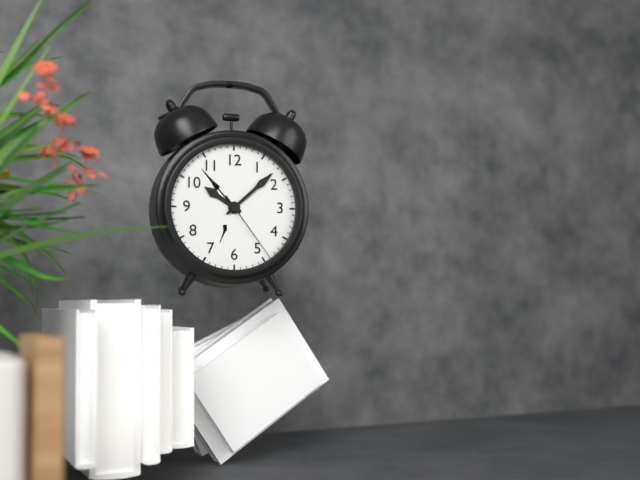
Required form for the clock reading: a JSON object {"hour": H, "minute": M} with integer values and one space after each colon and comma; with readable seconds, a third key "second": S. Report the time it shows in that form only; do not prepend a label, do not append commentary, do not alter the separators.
{"hour": 10, "minute": 8, "second": 24}
